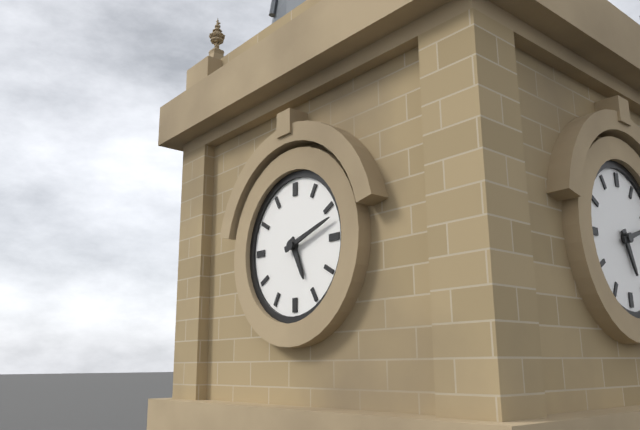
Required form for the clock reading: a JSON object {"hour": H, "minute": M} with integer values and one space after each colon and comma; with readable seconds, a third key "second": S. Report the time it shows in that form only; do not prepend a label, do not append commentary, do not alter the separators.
{"hour": 5, "minute": 12}
